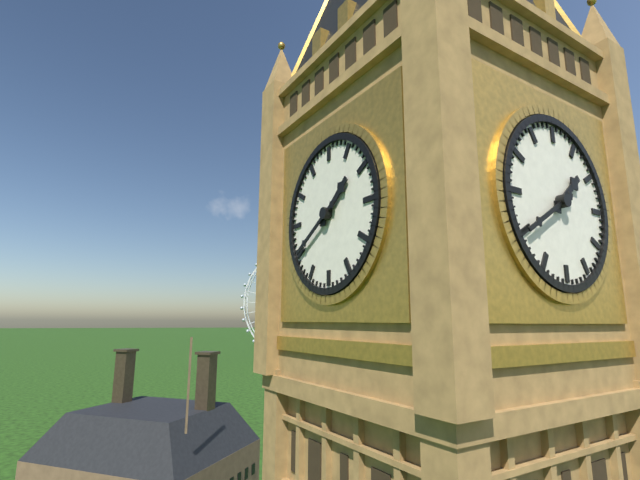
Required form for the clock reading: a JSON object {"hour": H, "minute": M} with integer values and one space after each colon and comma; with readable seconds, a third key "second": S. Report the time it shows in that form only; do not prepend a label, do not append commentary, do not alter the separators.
{"hour": 1, "minute": 40}
